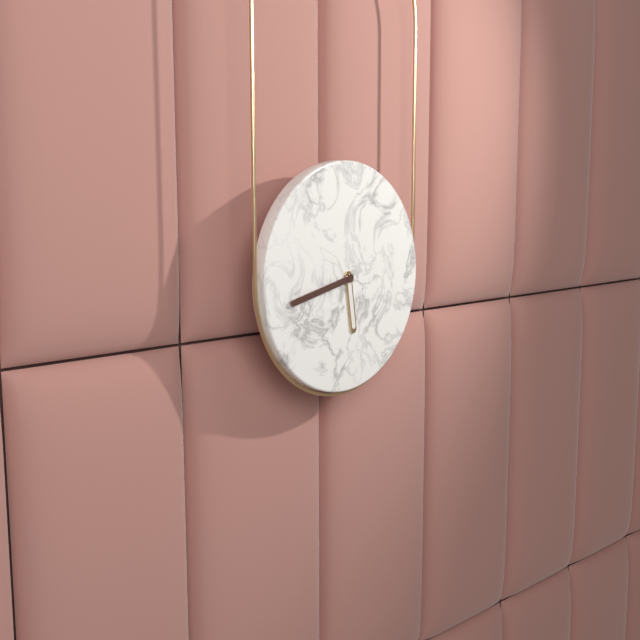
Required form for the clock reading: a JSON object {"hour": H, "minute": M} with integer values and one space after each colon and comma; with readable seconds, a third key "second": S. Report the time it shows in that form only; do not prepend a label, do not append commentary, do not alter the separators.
{"hour": 5, "minute": 43}
